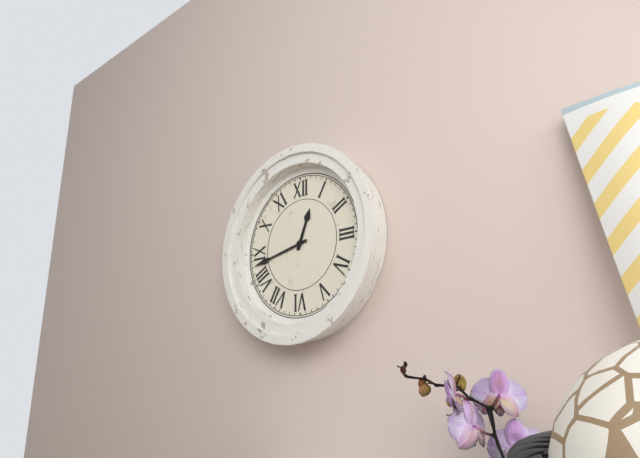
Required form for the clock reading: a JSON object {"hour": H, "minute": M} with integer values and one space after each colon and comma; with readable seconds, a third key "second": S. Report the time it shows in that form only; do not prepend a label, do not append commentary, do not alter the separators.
{"hour": 12, "minute": 43}
